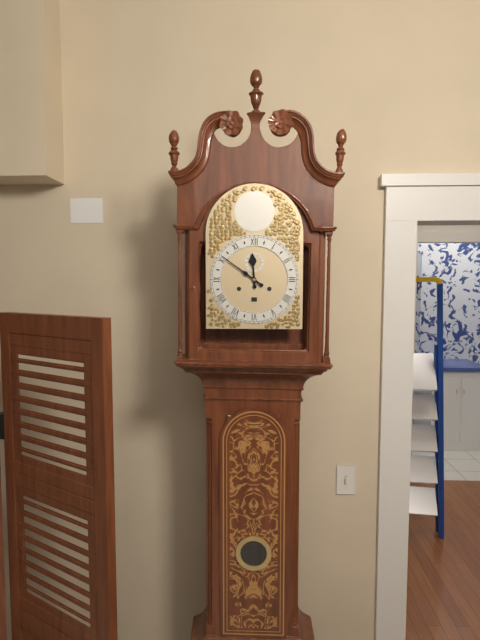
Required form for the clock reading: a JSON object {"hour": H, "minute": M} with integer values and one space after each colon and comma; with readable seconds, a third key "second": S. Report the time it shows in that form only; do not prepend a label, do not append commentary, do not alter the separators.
{"hour": 11, "minute": 51}
